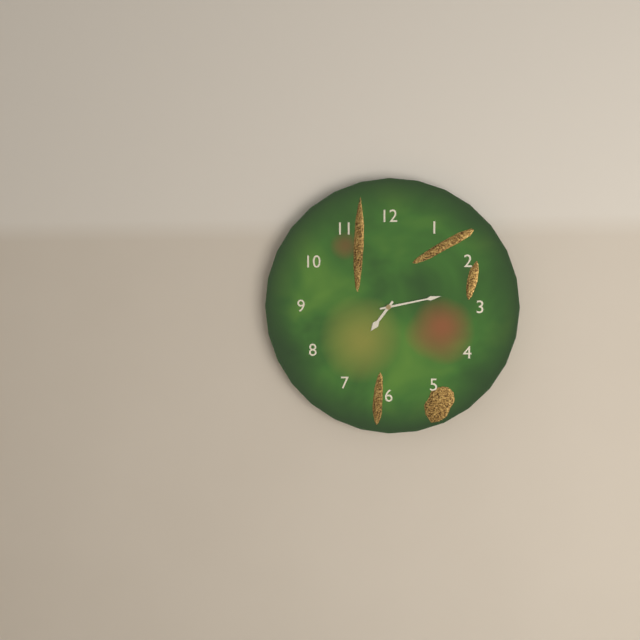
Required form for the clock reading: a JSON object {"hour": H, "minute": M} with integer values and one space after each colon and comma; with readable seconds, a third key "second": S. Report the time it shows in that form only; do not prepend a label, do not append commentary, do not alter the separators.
{"hour": 7, "minute": 13}
